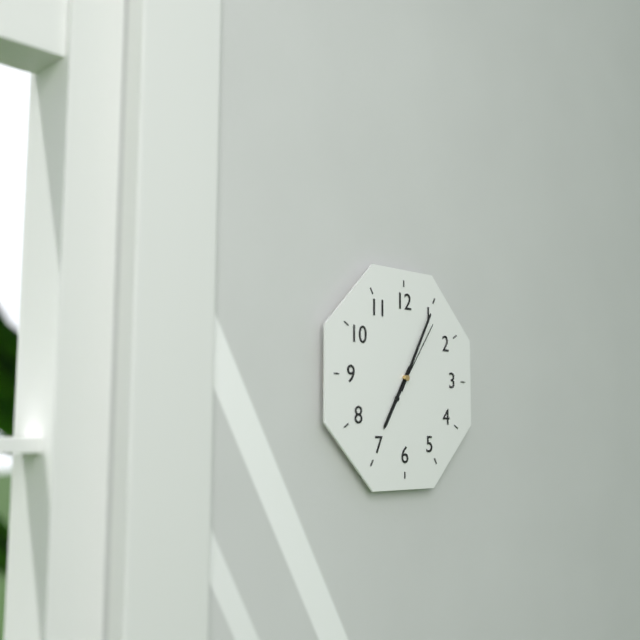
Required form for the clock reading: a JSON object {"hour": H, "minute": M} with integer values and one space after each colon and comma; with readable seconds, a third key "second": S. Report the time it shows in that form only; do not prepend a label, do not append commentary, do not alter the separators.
{"hour": 7, "minute": 5, "second": 6}
